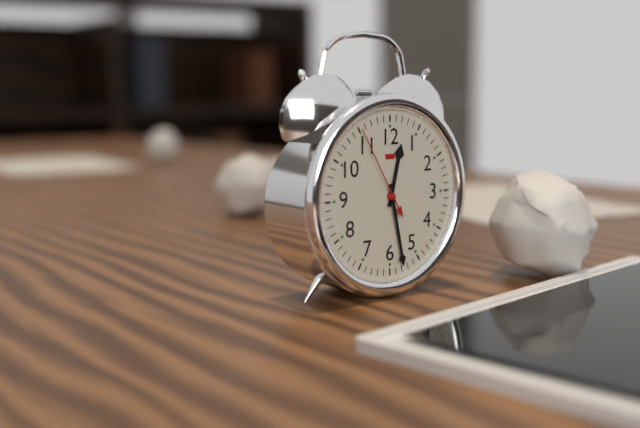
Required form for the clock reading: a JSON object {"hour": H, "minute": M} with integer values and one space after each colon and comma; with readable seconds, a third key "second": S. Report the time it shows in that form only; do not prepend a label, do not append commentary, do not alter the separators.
{"hour": 12, "minute": 28, "second": 55}
